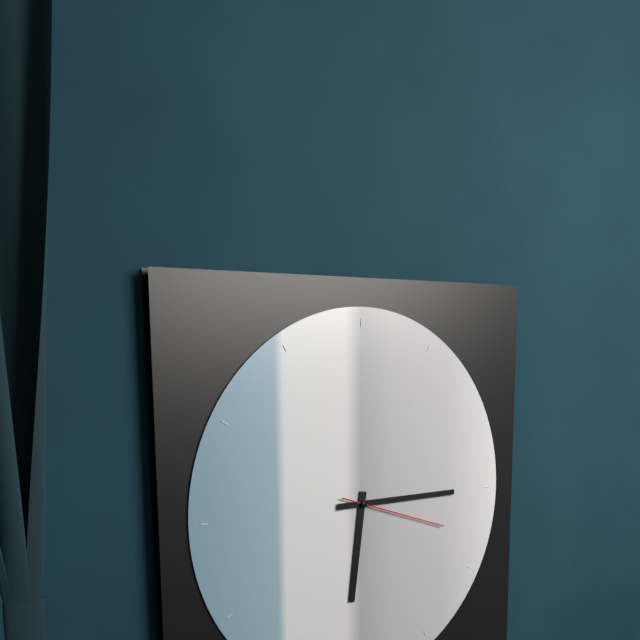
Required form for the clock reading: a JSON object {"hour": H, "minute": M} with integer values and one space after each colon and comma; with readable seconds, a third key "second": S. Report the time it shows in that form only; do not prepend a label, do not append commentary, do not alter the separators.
{"hour": 6, "minute": 15, "second": 18}
